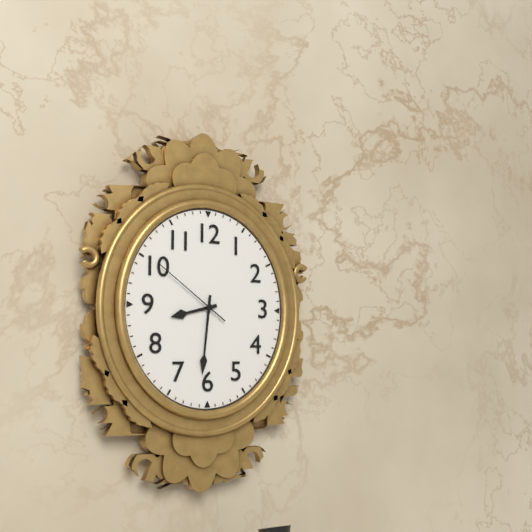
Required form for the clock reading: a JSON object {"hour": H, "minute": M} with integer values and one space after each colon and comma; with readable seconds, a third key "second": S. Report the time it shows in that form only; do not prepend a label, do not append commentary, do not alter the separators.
{"hour": 8, "minute": 31, "second": 51}
